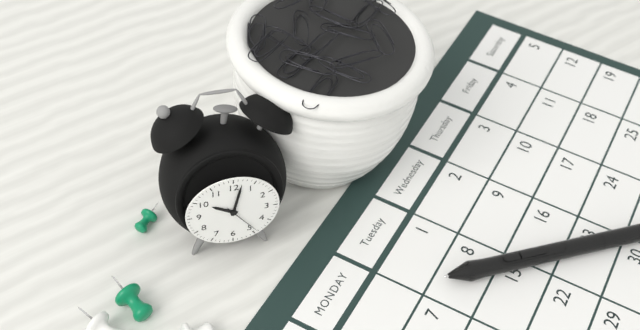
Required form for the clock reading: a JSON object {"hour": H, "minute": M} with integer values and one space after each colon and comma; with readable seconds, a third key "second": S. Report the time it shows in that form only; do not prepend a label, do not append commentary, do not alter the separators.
{"hour": 10, "minute": 2}
